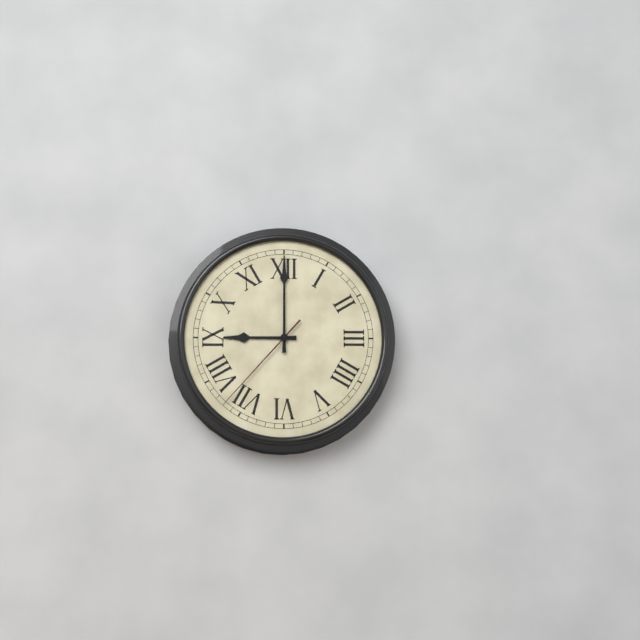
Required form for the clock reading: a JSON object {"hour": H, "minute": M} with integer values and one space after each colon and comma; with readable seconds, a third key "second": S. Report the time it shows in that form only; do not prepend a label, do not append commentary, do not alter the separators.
{"hour": 9, "minute": 0, "second": 37}
